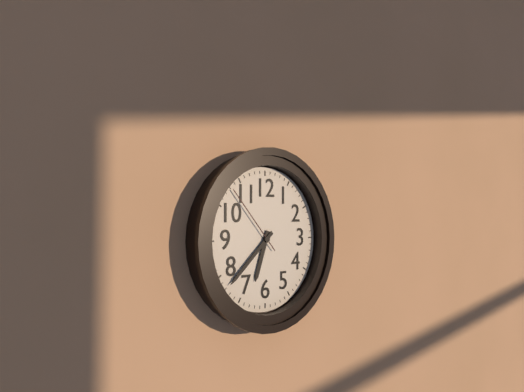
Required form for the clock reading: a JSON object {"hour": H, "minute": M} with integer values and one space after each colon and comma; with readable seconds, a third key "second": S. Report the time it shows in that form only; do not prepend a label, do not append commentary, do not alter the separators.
{"hour": 6, "minute": 38, "second": 53}
